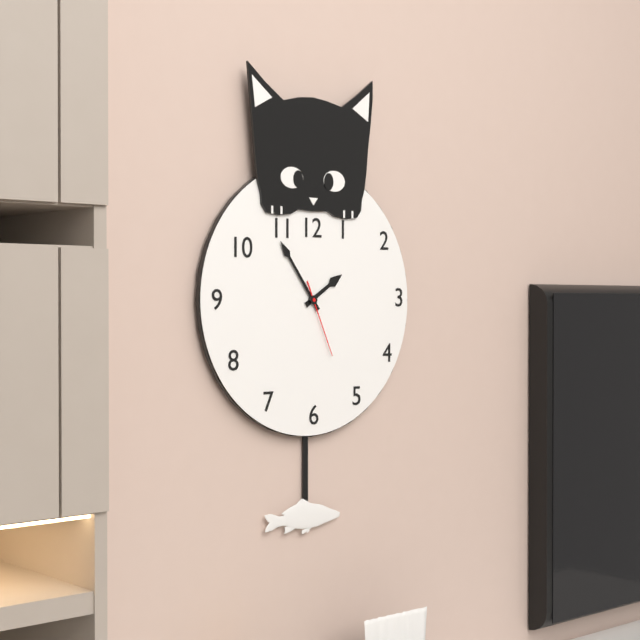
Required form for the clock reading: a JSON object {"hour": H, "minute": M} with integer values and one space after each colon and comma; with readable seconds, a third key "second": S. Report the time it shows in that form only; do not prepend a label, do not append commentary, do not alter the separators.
{"hour": 1, "minute": 54, "second": 26}
